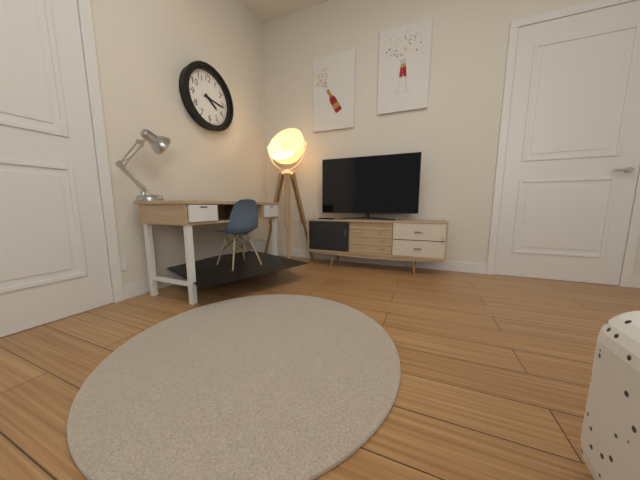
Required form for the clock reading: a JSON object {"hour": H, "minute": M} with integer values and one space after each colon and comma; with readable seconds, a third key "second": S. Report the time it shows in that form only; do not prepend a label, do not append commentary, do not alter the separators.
{"hour": 4, "minute": 16}
